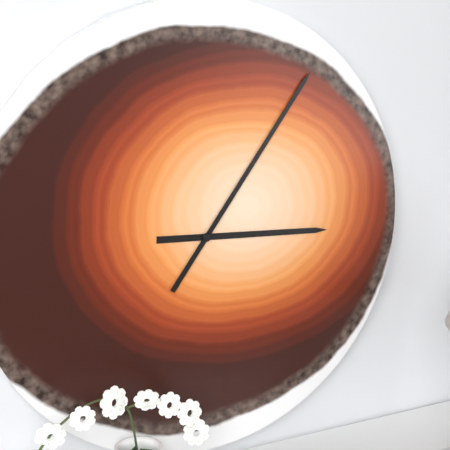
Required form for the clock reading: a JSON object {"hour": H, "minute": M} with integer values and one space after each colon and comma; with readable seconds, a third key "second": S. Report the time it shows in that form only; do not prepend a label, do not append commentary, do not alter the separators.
{"hour": 3, "minute": 6}
